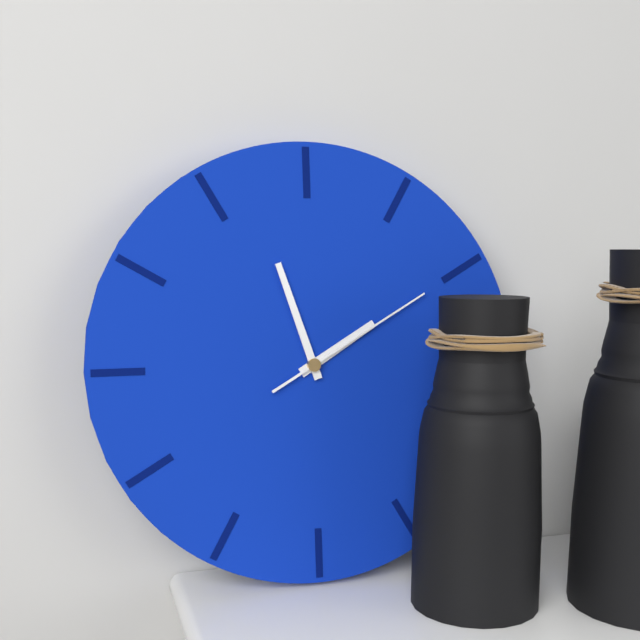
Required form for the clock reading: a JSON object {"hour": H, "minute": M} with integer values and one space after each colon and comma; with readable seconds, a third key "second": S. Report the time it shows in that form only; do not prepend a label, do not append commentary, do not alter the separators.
{"hour": 1, "minute": 57, "second": 10}
